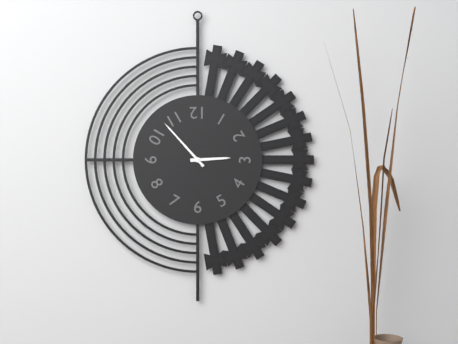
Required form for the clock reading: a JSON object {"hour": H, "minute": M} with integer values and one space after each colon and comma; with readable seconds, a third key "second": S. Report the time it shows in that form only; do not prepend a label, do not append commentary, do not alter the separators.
{"hour": 2, "minute": 53}
